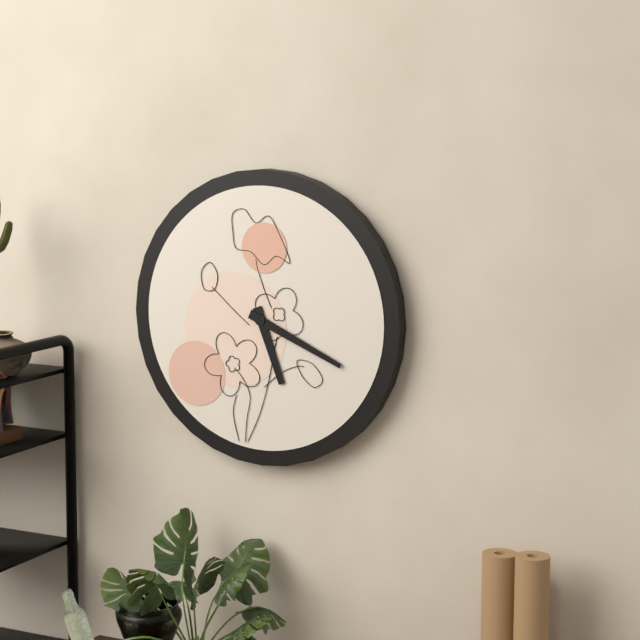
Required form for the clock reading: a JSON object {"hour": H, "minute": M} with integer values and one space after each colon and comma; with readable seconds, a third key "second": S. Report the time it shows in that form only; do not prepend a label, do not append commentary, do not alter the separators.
{"hour": 5, "minute": 19}
